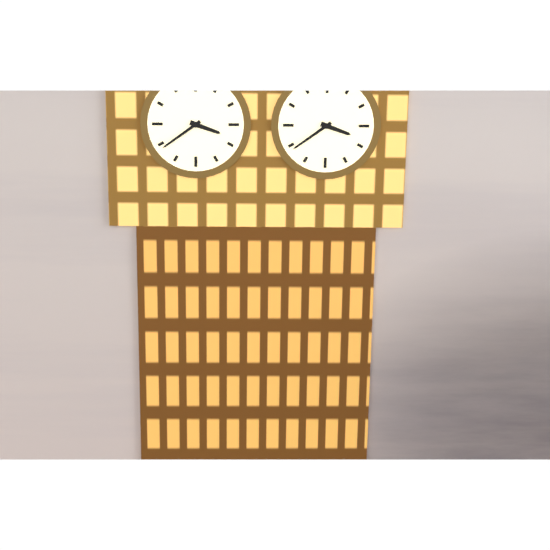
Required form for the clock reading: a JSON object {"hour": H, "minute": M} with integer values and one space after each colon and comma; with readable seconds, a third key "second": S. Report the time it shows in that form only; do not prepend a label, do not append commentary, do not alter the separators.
{"hour": 3, "minute": 39}
